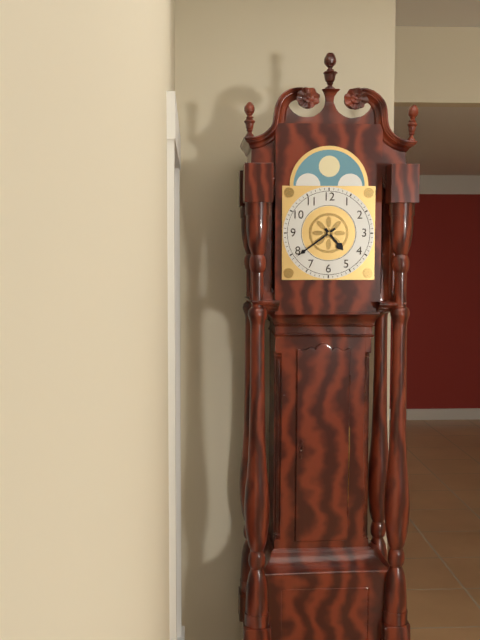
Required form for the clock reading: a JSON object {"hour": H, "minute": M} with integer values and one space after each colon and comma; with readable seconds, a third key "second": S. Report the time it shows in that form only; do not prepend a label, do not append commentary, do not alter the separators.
{"hour": 4, "minute": 39}
